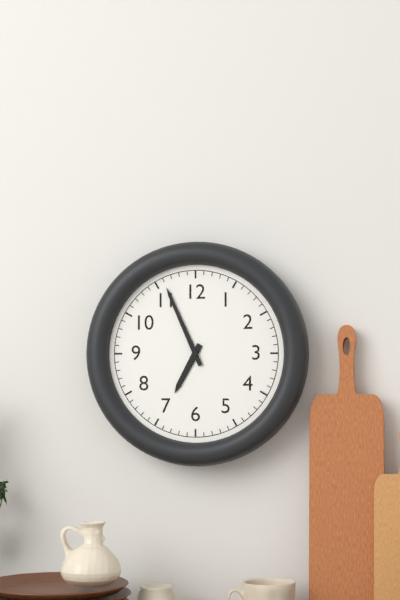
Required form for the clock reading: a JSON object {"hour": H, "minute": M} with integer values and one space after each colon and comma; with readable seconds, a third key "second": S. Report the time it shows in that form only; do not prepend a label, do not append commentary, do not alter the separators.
{"hour": 6, "minute": 56}
